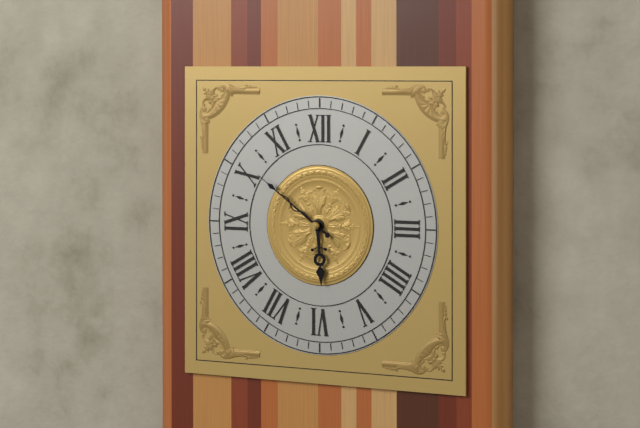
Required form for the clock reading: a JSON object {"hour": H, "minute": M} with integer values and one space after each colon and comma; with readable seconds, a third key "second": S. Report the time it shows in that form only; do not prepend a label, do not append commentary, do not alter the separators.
{"hour": 5, "minute": 51}
